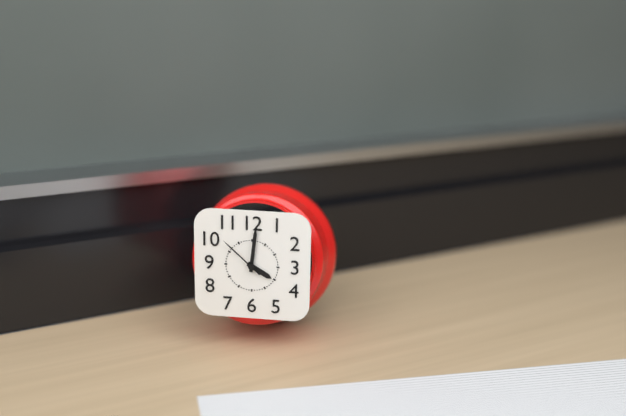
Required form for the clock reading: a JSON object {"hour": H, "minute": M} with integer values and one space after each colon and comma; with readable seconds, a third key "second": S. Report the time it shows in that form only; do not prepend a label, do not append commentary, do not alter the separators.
{"hour": 4, "minute": 1}
